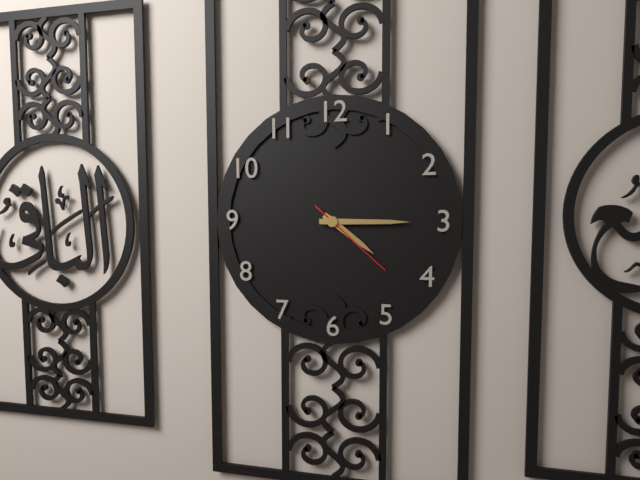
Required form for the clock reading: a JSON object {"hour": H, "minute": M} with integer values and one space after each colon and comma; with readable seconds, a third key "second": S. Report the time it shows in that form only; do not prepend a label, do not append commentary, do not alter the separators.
{"hour": 4, "minute": 15, "second": 22}
